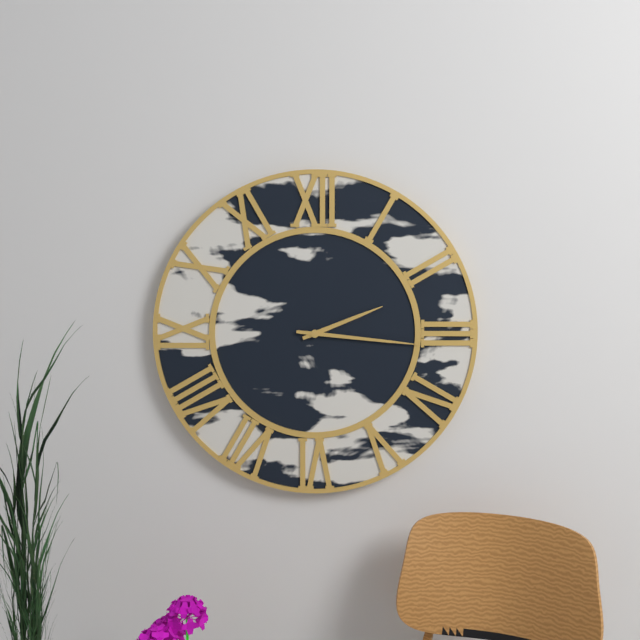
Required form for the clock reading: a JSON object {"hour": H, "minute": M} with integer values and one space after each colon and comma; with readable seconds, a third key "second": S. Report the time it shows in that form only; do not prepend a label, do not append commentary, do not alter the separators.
{"hour": 2, "minute": 16}
